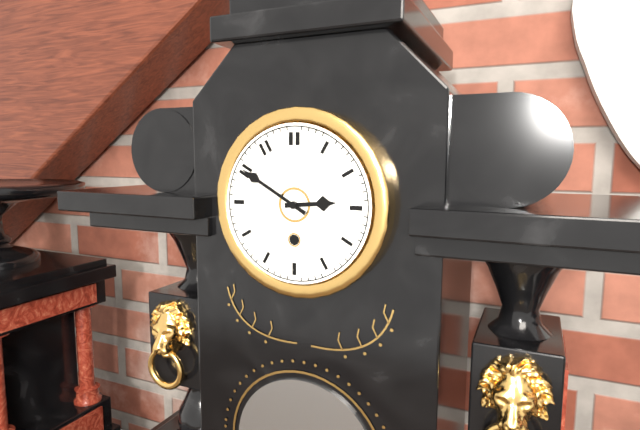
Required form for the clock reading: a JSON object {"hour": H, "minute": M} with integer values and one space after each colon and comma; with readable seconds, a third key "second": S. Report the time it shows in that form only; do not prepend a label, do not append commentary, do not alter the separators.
{"hour": 2, "minute": 50}
